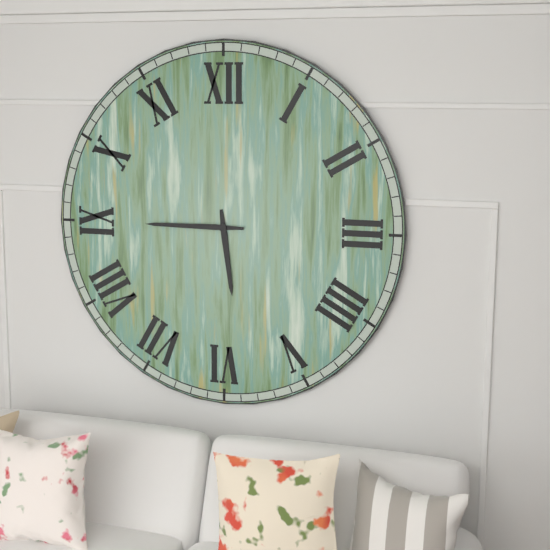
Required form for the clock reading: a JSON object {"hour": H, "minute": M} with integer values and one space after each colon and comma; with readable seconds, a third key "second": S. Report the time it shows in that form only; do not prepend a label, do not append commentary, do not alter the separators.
{"hour": 5, "minute": 45}
